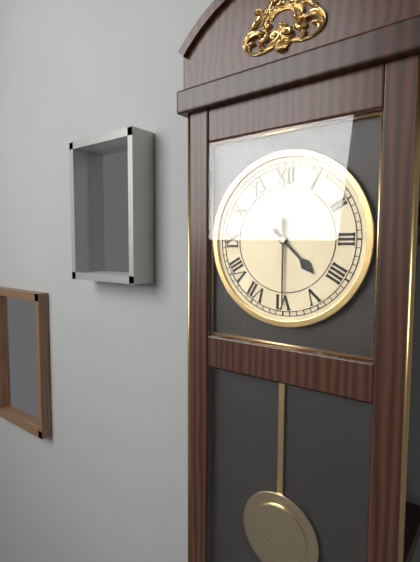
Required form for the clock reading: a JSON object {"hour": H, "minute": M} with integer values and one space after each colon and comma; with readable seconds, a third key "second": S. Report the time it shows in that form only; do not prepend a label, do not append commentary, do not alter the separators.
{"hour": 4, "minute": 30}
